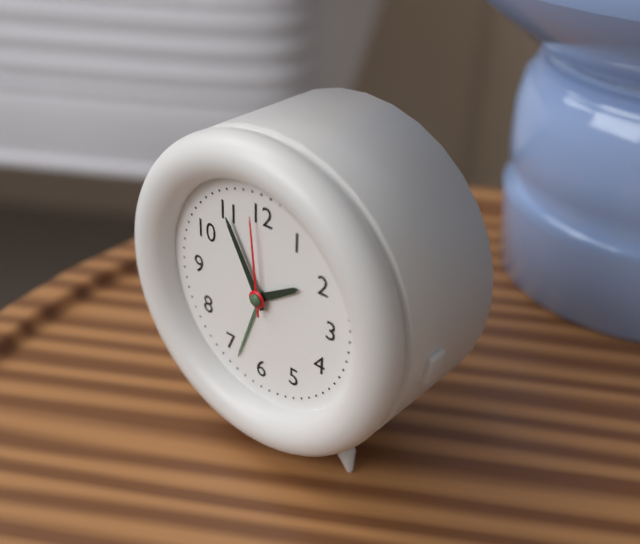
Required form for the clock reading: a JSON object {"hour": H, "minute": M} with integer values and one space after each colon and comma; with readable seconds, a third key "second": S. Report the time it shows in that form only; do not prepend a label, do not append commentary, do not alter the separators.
{"hour": 1, "minute": 55, "second": 59}
